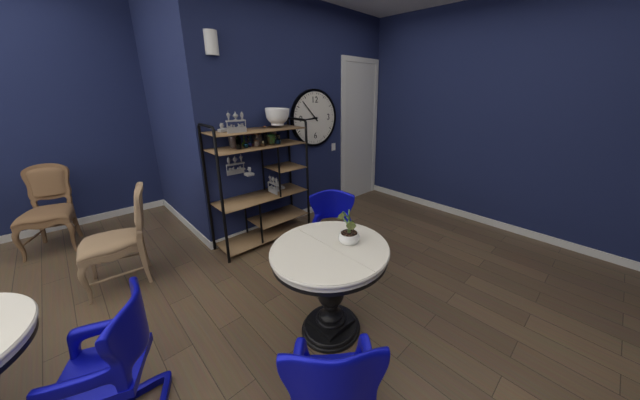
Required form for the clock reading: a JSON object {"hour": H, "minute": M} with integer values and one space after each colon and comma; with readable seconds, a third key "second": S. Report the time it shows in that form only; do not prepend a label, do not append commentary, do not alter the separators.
{"hour": 8, "minute": 53}
